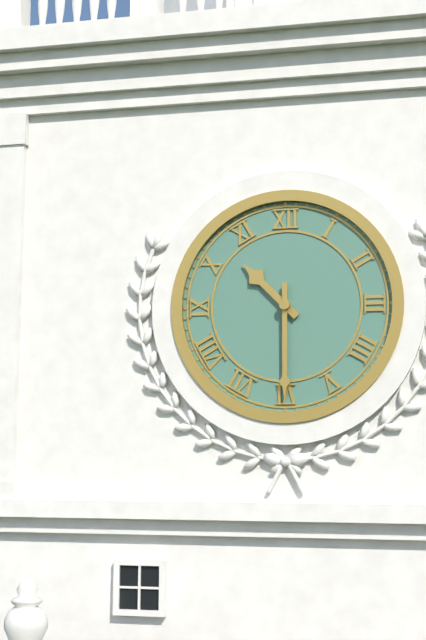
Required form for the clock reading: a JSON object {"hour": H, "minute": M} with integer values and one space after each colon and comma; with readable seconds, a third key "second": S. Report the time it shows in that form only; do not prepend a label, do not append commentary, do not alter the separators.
{"hour": 10, "minute": 30}
